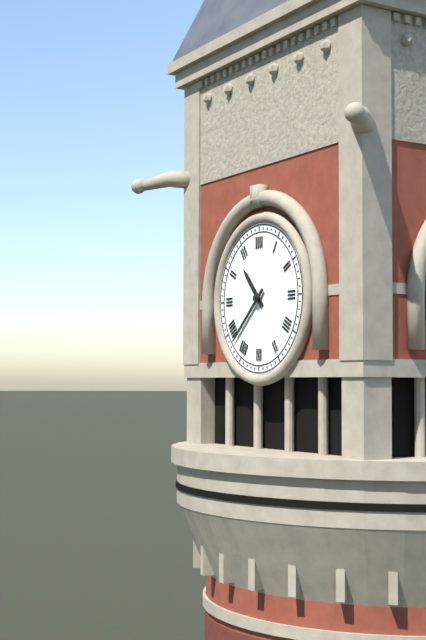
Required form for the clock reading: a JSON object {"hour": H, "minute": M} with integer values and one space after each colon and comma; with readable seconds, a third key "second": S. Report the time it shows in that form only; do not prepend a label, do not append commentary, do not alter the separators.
{"hour": 10, "minute": 38}
